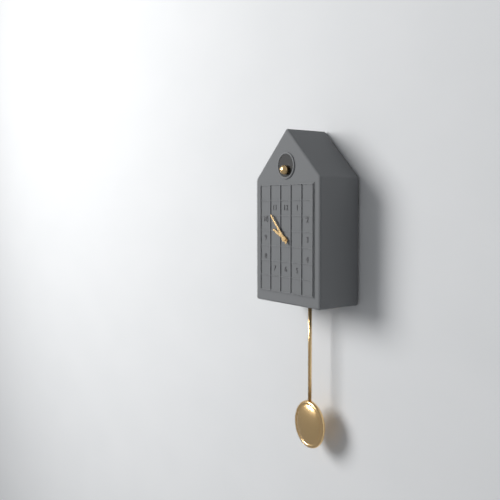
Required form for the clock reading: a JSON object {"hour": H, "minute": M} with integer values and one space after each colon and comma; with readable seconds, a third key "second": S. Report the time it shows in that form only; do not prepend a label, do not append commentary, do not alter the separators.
{"hour": 9, "minute": 53}
